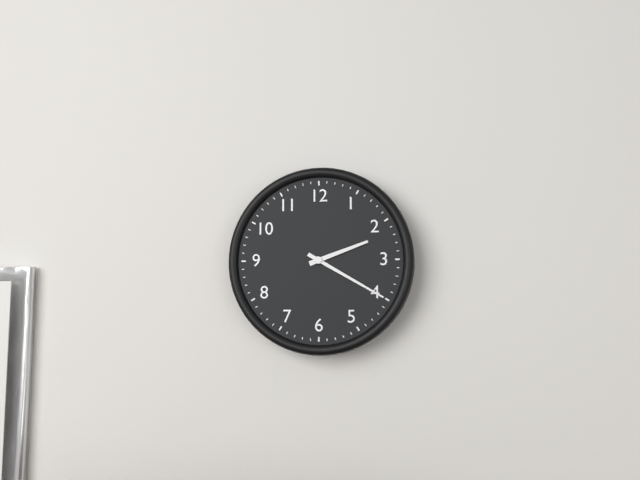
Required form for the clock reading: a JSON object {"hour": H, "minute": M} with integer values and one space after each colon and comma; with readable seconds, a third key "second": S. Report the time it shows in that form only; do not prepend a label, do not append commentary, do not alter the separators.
{"hour": 2, "minute": 20}
